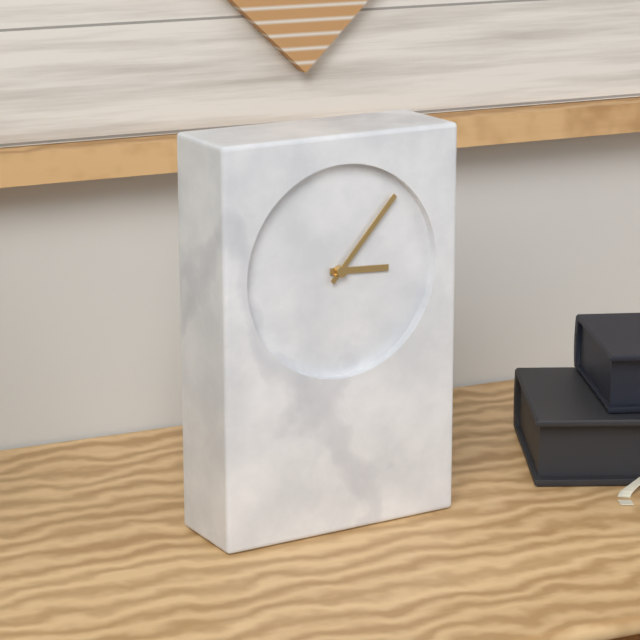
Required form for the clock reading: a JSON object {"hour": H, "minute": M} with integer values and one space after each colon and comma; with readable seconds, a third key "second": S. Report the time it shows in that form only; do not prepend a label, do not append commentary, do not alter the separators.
{"hour": 3, "minute": 7}
